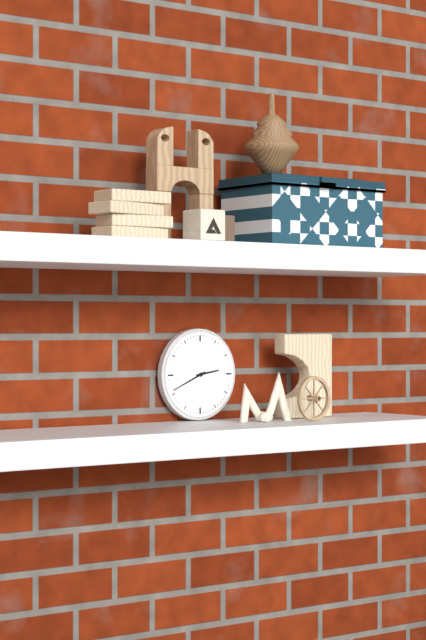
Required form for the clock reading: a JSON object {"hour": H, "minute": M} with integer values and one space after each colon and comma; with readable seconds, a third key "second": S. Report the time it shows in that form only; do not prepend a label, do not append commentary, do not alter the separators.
{"hour": 2, "minute": 41}
